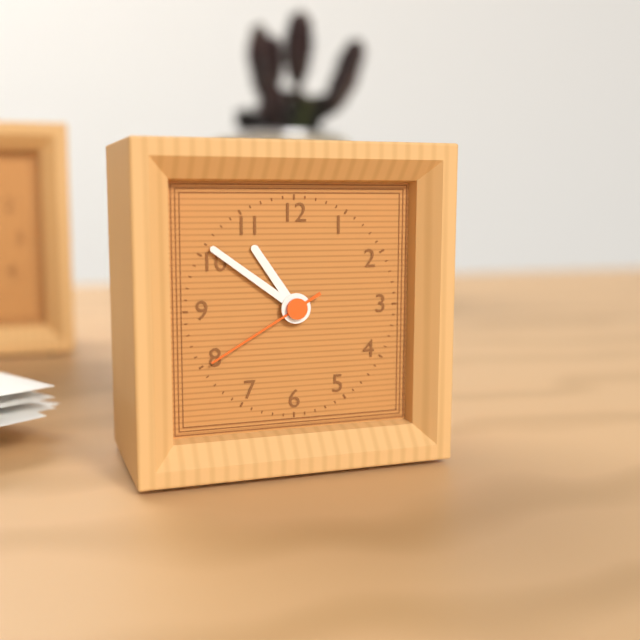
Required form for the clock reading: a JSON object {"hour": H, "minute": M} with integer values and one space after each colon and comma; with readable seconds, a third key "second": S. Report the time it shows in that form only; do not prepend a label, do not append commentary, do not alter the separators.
{"hour": 10, "minute": 51, "second": 40}
